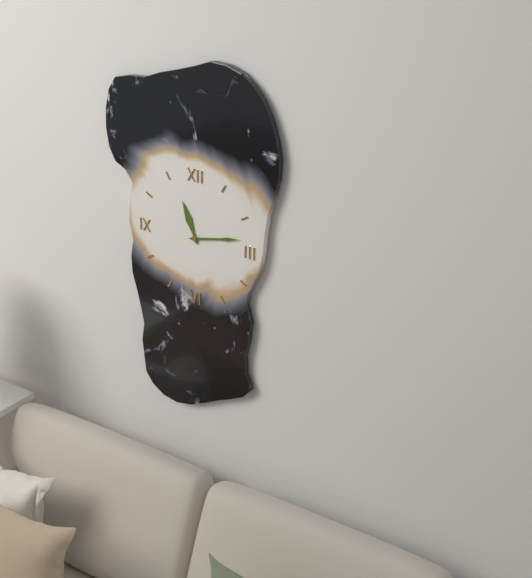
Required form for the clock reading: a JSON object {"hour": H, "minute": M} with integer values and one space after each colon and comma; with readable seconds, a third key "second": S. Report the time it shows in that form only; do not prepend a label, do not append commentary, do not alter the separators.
{"hour": 11, "minute": 13}
